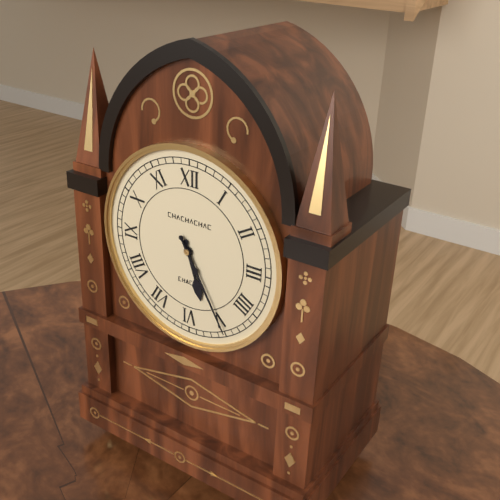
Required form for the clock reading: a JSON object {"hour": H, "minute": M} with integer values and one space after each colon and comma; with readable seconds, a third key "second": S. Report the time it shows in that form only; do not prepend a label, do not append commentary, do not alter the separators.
{"hour": 5, "minute": 25}
